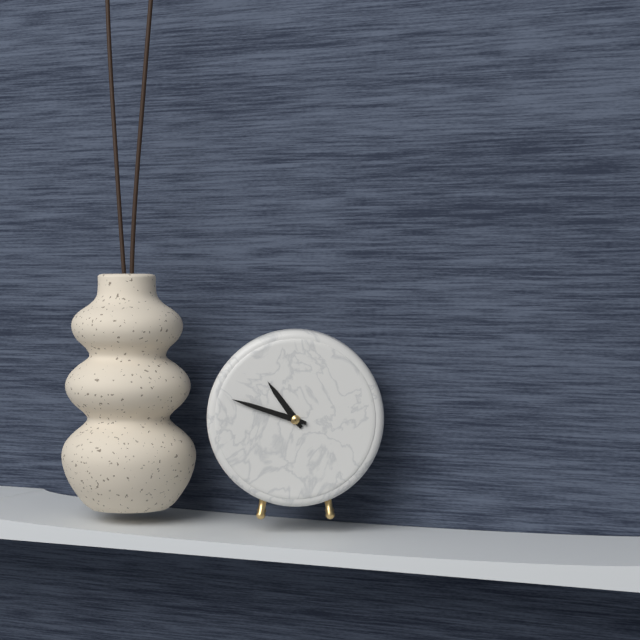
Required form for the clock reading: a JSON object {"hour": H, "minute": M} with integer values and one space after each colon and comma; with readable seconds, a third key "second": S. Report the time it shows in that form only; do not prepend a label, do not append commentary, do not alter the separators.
{"hour": 10, "minute": 48}
